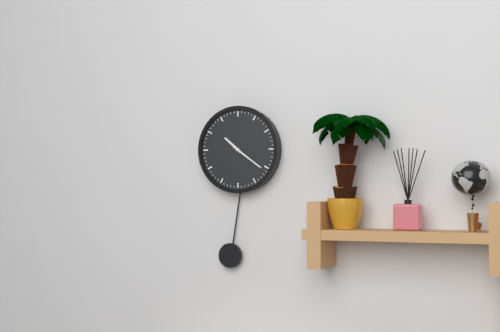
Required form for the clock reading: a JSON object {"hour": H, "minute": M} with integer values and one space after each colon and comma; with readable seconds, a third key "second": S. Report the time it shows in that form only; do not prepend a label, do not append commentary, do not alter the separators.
{"hour": 10, "minute": 21}
